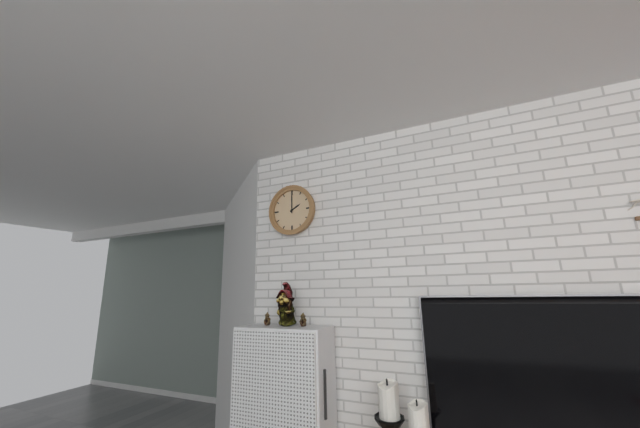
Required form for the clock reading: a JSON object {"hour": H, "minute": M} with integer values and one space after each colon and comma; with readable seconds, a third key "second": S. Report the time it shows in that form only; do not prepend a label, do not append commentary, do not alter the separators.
{"hour": 2, "minute": 0}
